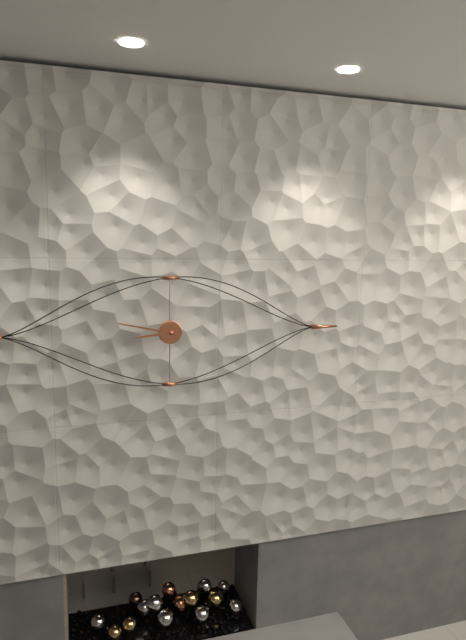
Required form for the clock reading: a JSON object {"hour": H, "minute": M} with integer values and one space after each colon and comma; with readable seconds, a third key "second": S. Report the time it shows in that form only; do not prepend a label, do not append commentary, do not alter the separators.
{"hour": 8, "minute": 47}
